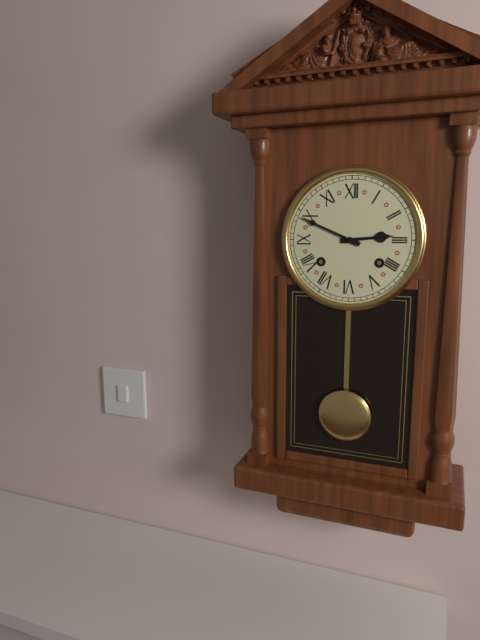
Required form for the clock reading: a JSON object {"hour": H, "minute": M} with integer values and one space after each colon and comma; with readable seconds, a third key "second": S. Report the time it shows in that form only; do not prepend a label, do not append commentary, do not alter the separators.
{"hour": 2, "minute": 49}
